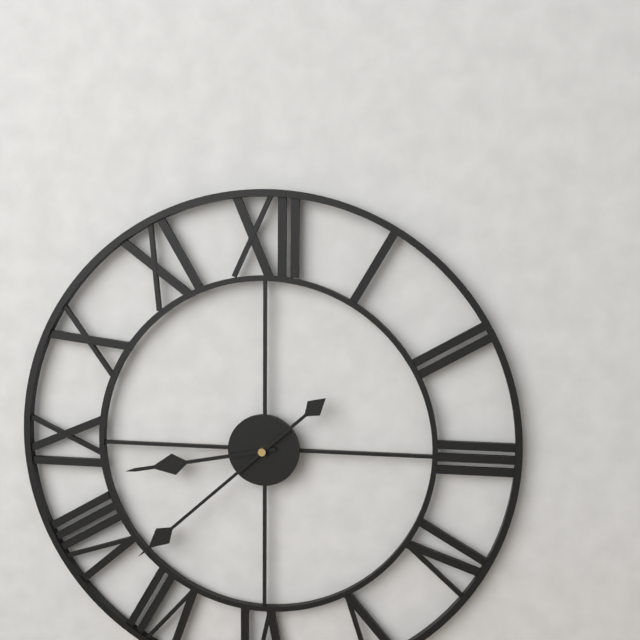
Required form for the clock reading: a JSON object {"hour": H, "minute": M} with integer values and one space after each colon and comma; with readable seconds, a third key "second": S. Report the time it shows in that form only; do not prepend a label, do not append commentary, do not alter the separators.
{"hour": 8, "minute": 38}
